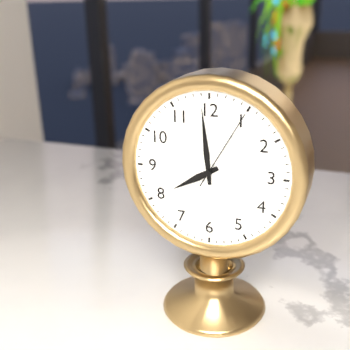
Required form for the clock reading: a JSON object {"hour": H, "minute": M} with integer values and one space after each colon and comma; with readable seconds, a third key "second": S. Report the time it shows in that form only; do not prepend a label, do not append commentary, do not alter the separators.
{"hour": 7, "minute": 59, "second": 5}
